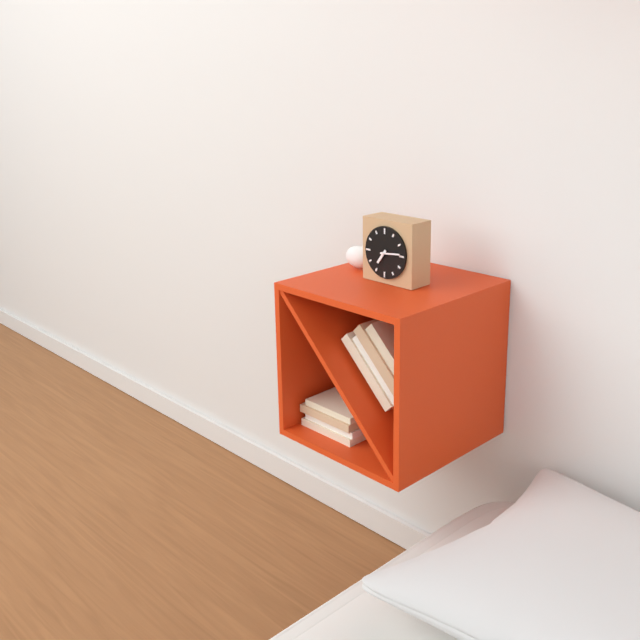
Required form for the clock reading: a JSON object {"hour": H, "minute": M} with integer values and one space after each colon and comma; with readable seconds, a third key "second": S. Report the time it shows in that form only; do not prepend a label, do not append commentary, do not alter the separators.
{"hour": 7, "minute": 14}
